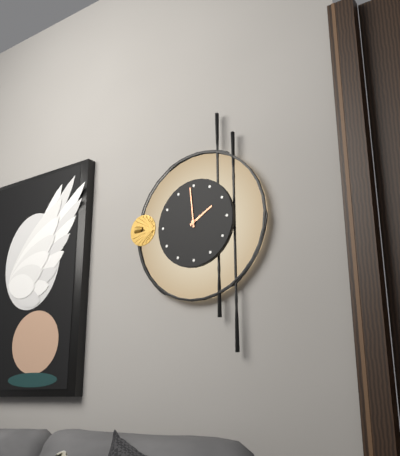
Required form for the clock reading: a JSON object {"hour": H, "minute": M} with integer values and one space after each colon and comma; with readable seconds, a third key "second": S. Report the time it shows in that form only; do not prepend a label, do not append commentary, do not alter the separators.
{"hour": 1, "minute": 59}
